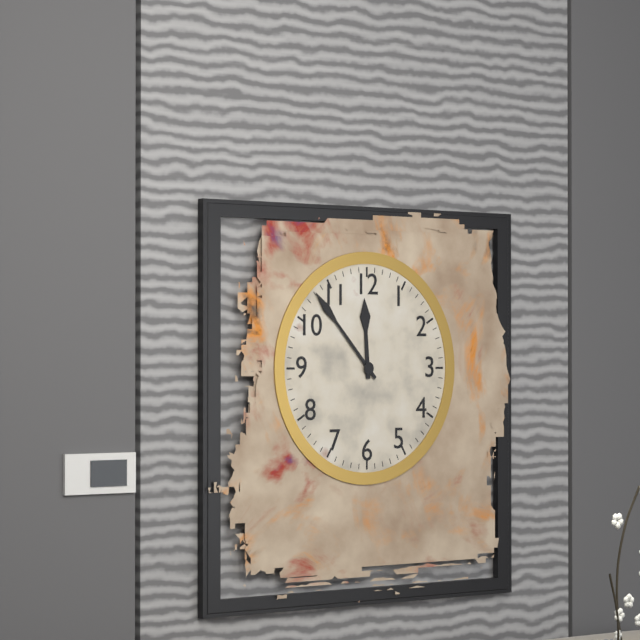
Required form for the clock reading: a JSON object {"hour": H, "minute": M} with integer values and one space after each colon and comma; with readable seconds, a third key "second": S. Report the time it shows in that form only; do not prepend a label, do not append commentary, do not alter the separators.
{"hour": 11, "minute": 53}
